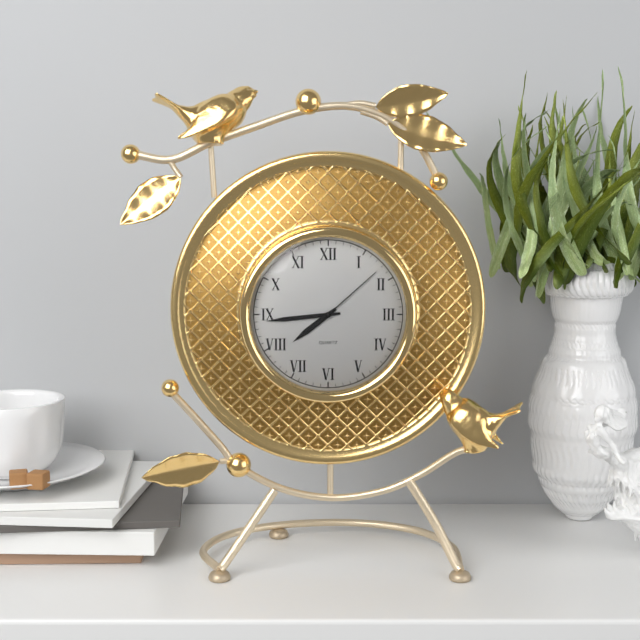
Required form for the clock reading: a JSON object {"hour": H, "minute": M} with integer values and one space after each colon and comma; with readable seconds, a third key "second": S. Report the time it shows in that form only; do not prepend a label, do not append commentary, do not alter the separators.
{"hour": 7, "minute": 44, "second": 8}
